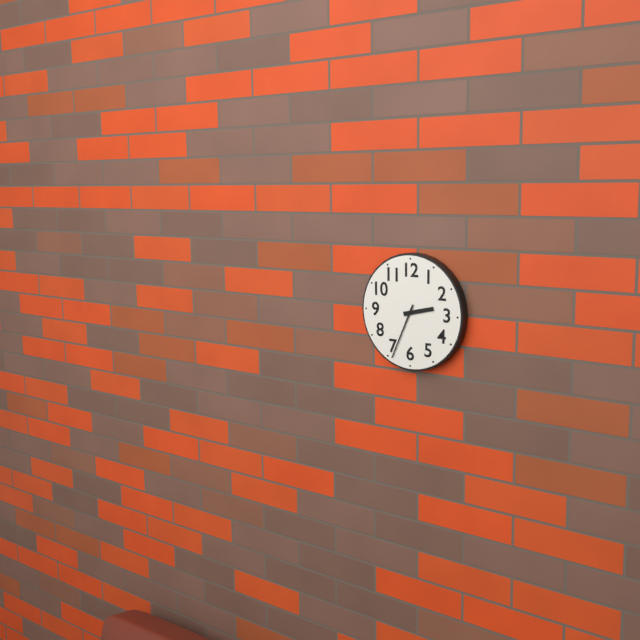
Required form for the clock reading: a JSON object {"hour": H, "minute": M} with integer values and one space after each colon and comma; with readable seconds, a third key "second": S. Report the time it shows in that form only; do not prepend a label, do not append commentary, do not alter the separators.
{"hour": 2, "minute": 34}
